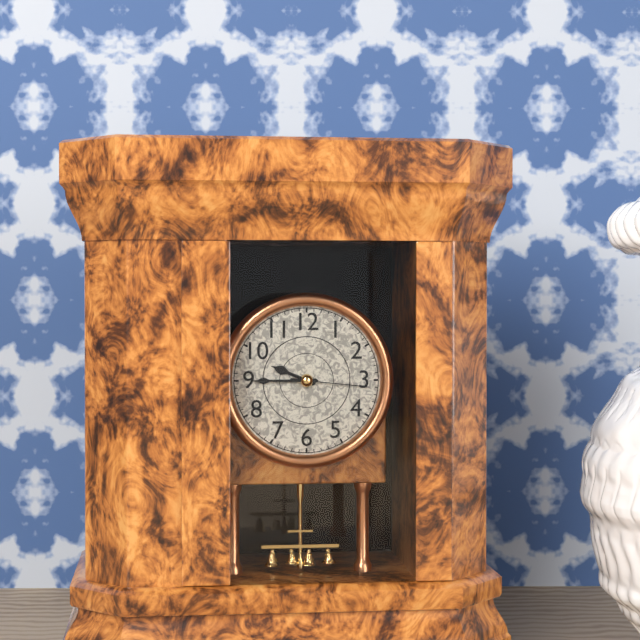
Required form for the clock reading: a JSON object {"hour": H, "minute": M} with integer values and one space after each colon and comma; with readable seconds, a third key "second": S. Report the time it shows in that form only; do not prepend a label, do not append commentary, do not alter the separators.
{"hour": 9, "minute": 45, "second": 16}
